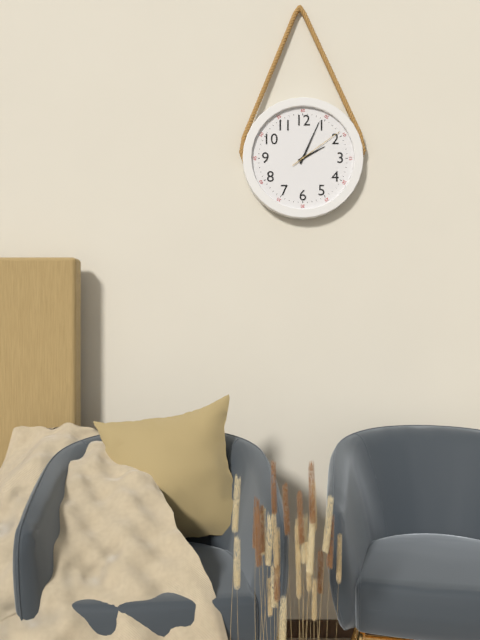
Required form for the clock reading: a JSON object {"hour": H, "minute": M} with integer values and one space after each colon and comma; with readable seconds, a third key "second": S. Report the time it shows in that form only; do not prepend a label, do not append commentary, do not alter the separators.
{"hour": 2, "minute": 4, "second": 9}
